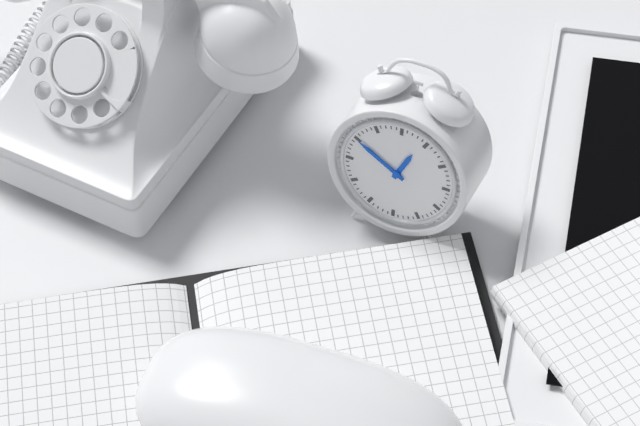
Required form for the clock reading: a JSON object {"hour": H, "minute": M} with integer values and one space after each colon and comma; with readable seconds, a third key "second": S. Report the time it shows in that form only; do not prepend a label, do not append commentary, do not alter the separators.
{"hour": 12, "minute": 50}
